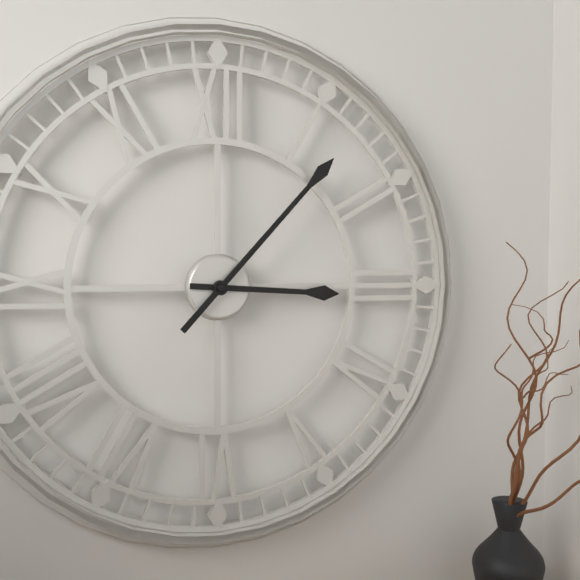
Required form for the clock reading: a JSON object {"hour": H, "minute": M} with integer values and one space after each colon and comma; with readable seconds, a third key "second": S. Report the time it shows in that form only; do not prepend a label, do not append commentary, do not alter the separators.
{"hour": 3, "minute": 7}
